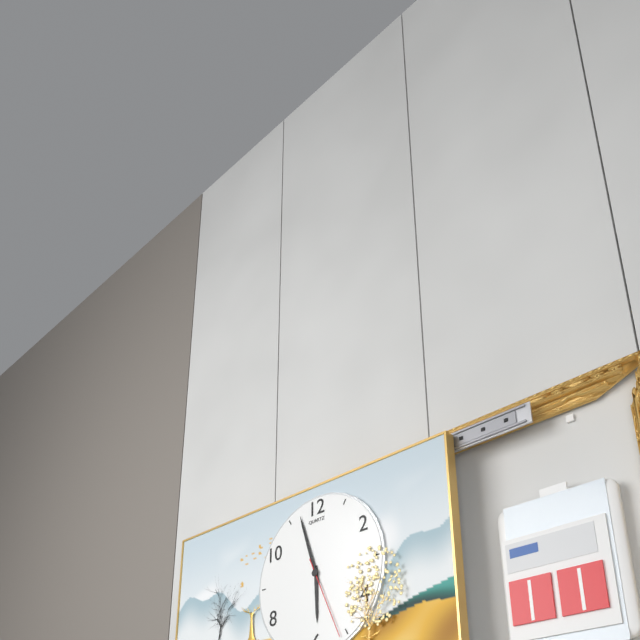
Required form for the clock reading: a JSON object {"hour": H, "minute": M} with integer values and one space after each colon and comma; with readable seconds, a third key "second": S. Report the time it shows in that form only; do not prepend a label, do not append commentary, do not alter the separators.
{"hour": 5, "minute": 57, "second": 26}
